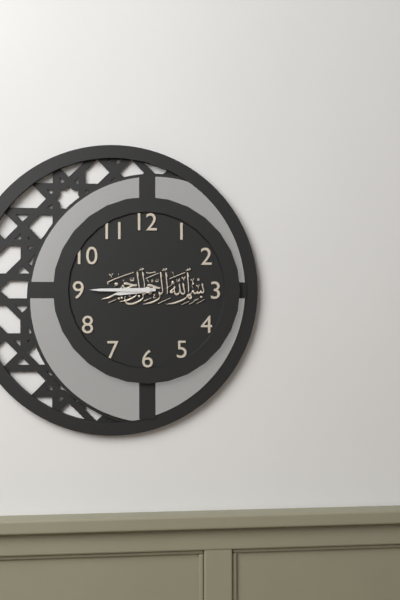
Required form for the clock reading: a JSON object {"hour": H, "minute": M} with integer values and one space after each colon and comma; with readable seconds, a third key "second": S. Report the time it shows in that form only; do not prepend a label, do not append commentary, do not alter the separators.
{"hour": 8, "minute": 45}
